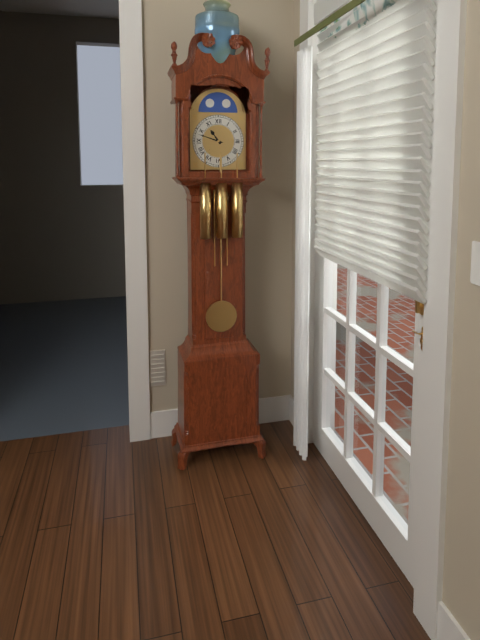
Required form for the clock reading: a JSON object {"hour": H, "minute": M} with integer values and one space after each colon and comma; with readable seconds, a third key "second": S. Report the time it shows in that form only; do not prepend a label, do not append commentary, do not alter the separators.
{"hour": 10, "minute": 48}
